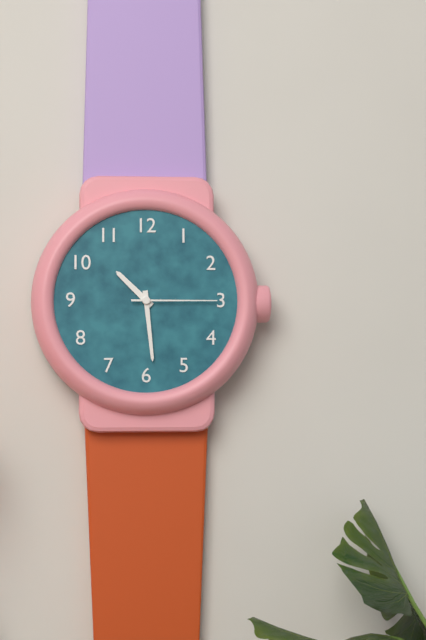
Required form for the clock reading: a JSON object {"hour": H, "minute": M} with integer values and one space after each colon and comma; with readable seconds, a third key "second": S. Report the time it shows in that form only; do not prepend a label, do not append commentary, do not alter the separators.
{"hour": 10, "minute": 29, "second": 15}
